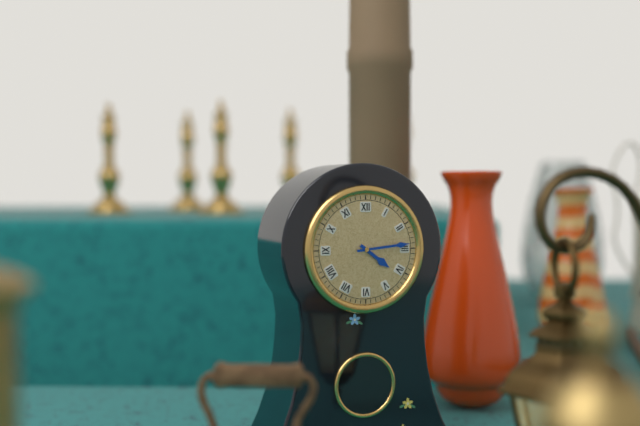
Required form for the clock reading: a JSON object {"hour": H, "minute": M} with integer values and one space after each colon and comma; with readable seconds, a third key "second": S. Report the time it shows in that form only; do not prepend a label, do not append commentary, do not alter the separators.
{"hour": 4, "minute": 14}
